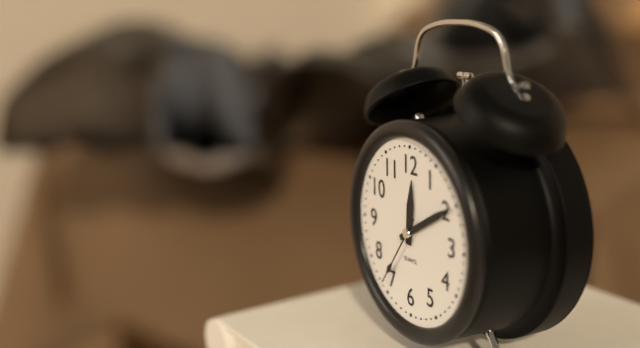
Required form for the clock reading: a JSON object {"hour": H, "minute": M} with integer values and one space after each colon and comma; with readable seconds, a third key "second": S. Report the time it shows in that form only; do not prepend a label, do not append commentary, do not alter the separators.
{"hour": 12, "minute": 10, "second": 36}
